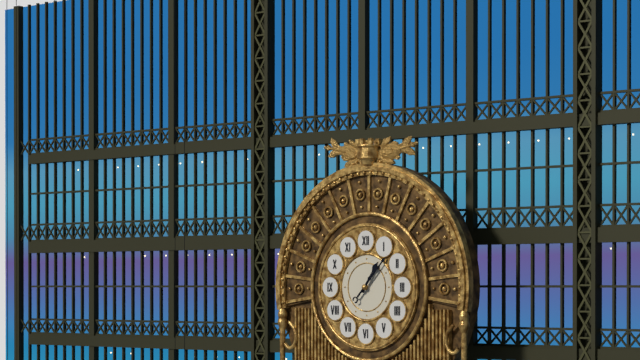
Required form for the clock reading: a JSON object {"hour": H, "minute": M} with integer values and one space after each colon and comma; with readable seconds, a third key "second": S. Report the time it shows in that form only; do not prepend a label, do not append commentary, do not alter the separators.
{"hour": 1, "minute": 7}
